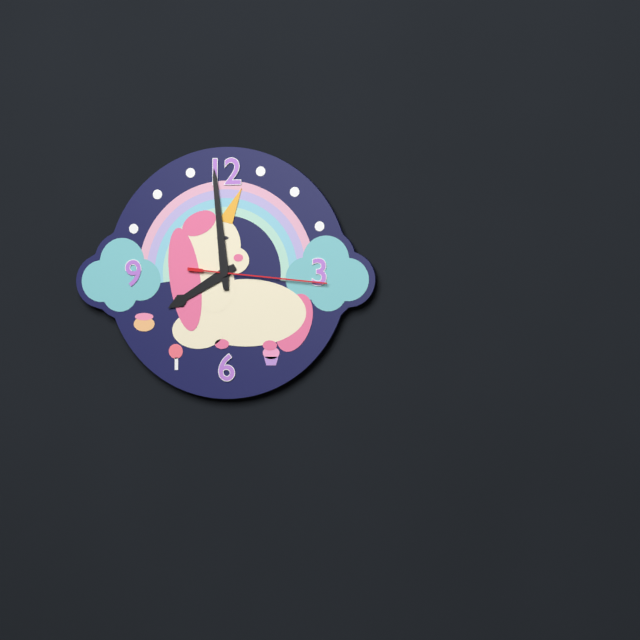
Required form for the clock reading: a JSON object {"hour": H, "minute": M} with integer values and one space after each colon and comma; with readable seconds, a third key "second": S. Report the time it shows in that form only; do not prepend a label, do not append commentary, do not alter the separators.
{"hour": 7, "minute": 59, "second": 16}
